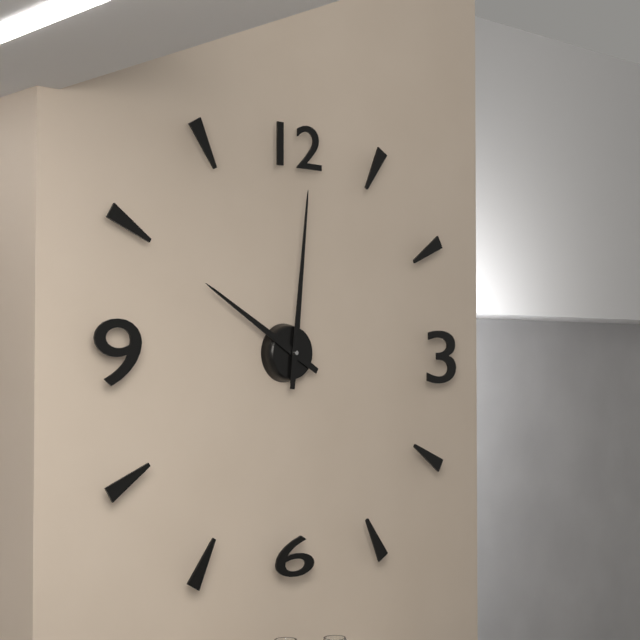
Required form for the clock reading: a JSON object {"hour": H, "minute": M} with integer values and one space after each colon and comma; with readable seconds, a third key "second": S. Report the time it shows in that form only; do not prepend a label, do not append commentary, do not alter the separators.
{"hour": 10, "minute": 1}
